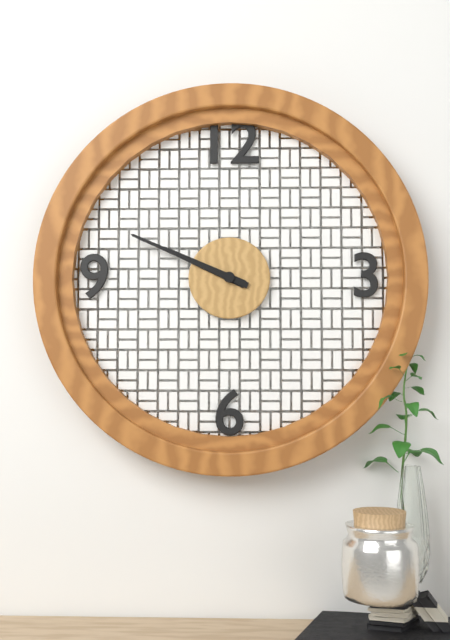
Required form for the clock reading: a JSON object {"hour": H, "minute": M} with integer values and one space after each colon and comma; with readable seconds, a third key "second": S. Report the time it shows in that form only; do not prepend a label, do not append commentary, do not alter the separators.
{"hour": 9, "minute": 49}
